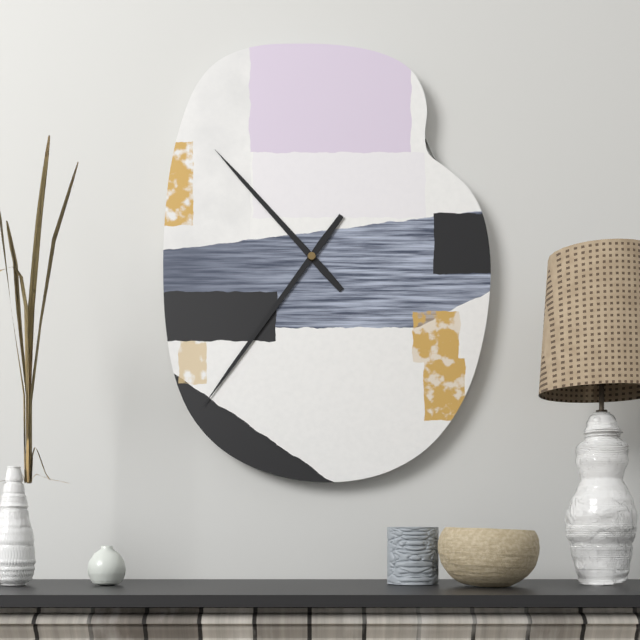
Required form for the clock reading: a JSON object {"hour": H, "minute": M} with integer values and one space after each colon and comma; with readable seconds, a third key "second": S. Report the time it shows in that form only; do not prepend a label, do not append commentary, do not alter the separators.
{"hour": 10, "minute": 36}
